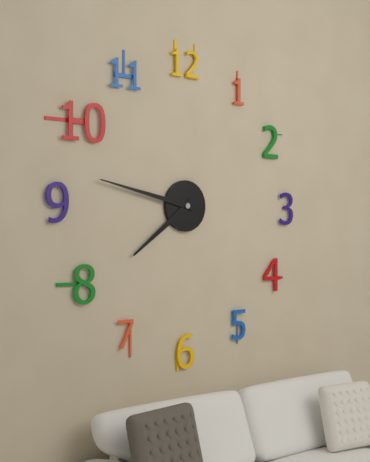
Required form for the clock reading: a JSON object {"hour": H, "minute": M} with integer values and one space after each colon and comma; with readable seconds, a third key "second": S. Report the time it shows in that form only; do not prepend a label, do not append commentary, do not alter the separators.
{"hour": 7, "minute": 47}
